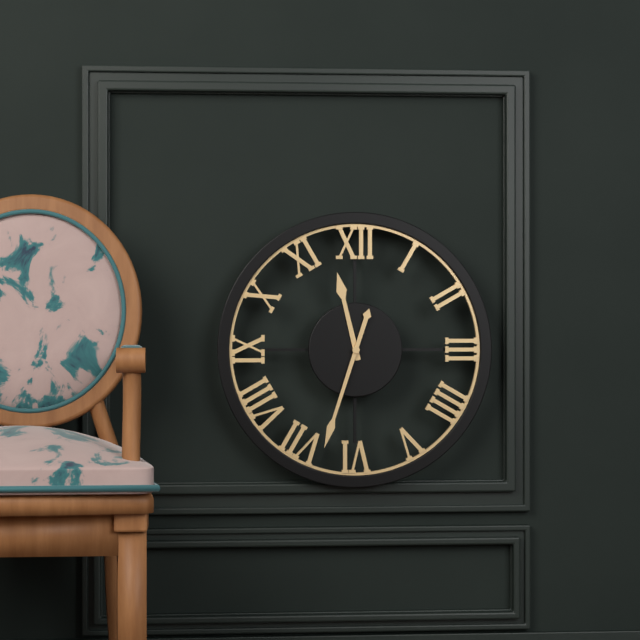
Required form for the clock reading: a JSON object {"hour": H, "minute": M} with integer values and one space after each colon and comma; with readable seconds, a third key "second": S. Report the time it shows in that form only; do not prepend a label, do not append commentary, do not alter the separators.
{"hour": 11, "minute": 33}
